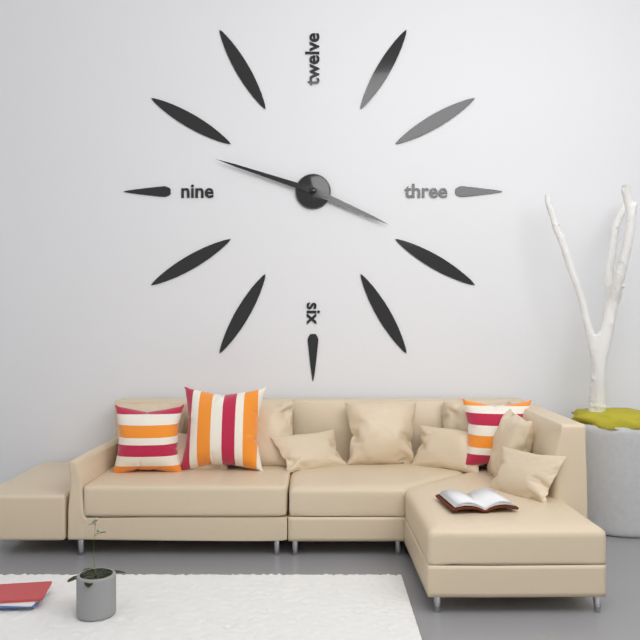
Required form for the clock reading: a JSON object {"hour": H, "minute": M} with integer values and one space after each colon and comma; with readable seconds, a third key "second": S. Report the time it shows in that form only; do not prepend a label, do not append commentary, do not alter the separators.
{"hour": 3, "minute": 48}
